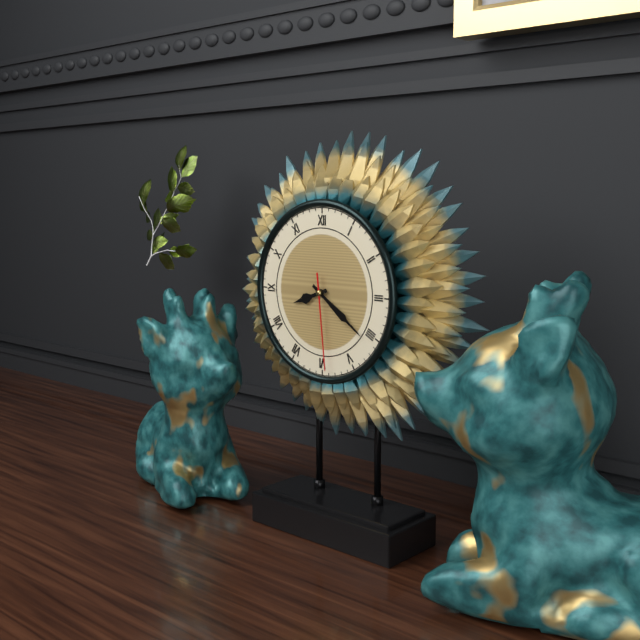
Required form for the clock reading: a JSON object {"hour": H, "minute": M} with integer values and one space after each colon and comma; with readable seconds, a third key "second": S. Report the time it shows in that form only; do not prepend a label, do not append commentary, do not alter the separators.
{"hour": 8, "minute": 21, "second": 29}
